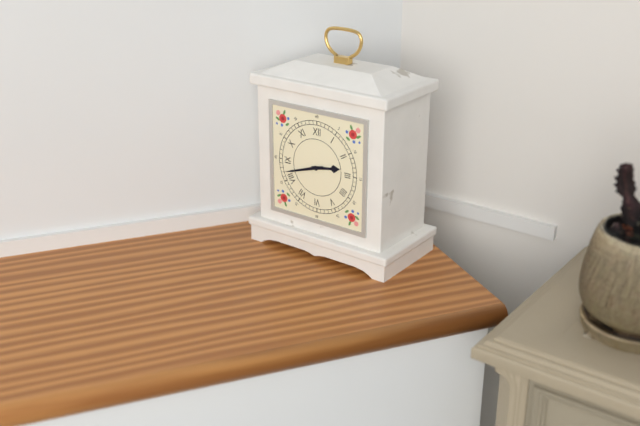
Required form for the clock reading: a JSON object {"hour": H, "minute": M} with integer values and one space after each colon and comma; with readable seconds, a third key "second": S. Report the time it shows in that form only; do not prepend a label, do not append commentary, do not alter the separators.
{"hour": 2, "minute": 42}
